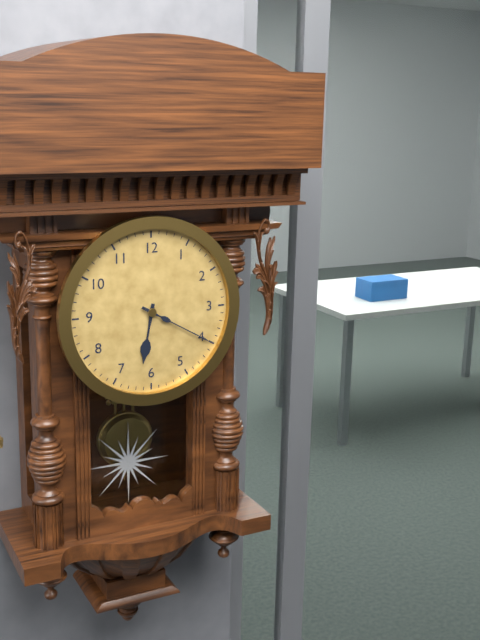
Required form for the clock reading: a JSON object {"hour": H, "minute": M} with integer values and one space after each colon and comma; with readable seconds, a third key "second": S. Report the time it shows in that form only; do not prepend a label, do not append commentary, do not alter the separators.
{"hour": 6, "minute": 20}
